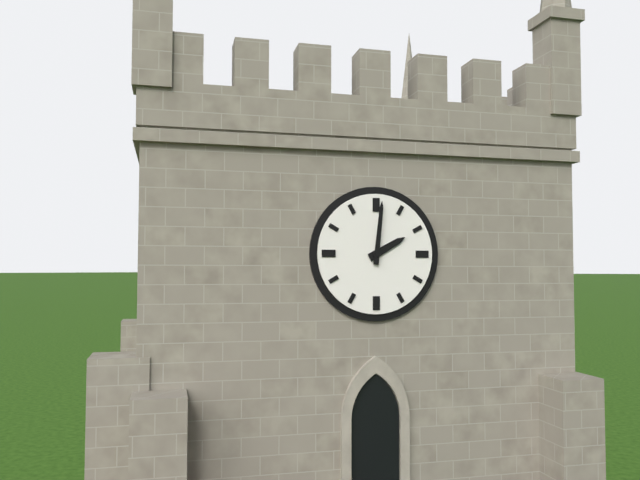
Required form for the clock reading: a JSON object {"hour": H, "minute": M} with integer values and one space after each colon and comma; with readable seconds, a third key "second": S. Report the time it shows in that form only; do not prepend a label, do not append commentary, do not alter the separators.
{"hour": 2, "minute": 1}
